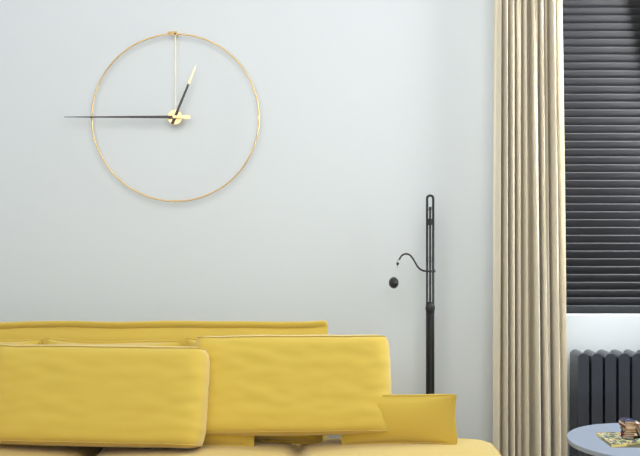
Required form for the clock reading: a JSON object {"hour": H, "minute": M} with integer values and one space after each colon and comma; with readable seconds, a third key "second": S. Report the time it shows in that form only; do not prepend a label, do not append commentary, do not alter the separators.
{"hour": 12, "minute": 45}
